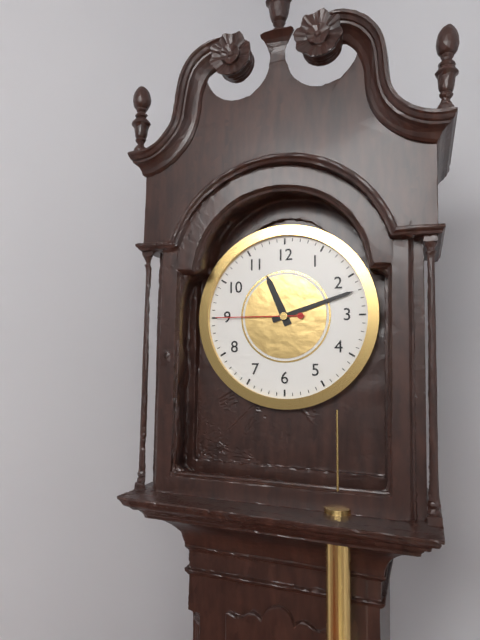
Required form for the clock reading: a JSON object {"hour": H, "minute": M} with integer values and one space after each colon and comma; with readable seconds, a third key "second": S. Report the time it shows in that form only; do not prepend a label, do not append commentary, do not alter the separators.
{"hour": 11, "minute": 12, "second": 45}
